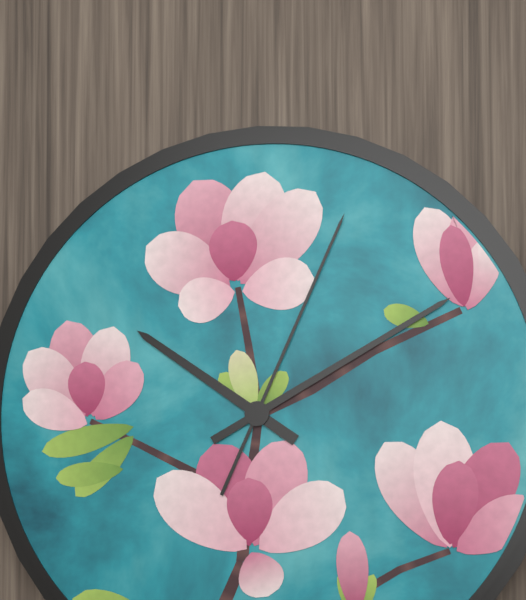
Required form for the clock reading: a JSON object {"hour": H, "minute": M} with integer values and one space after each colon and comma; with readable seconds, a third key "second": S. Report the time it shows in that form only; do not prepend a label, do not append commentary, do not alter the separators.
{"hour": 10, "minute": 10, "second": 4}
